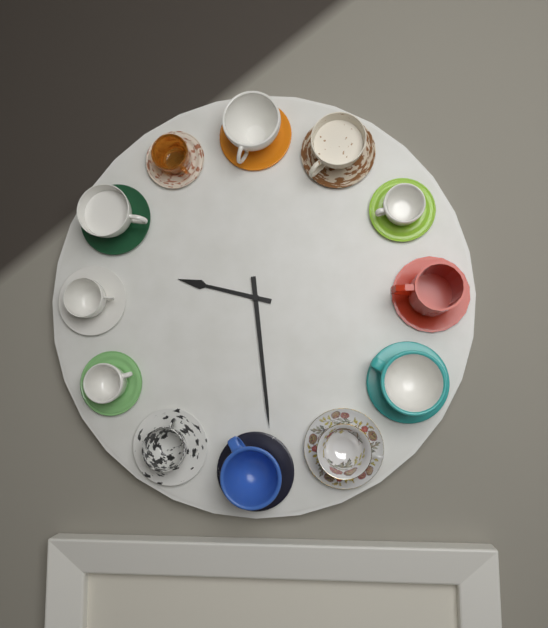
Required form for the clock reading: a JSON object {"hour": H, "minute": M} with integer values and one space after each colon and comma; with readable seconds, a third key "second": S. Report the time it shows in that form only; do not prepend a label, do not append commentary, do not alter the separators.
{"hour": 9, "minute": 29}
